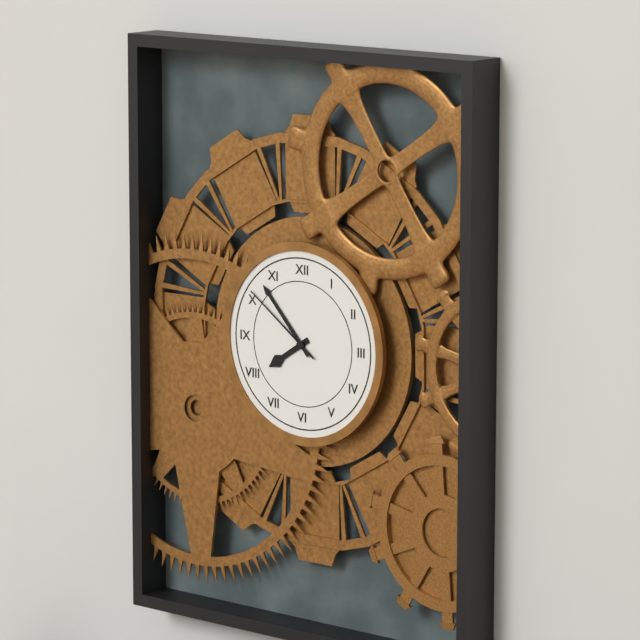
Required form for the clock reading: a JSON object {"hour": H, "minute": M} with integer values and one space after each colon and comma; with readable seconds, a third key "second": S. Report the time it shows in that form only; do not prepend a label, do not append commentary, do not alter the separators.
{"hour": 7, "minute": 53, "second": 51}
